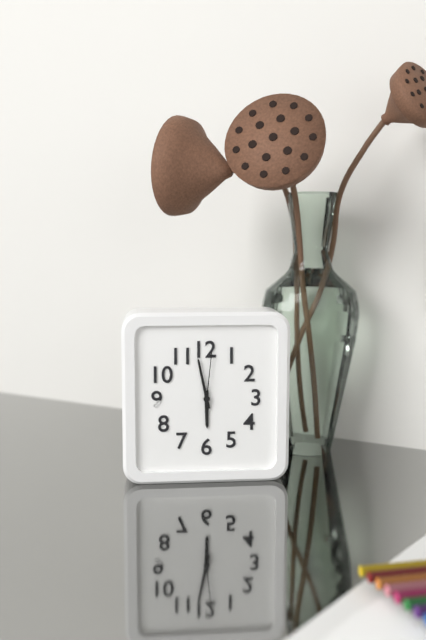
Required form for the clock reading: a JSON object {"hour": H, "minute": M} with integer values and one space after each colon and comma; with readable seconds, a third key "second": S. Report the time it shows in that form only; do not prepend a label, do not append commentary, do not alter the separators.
{"hour": 5, "minute": 58, "second": 1}
